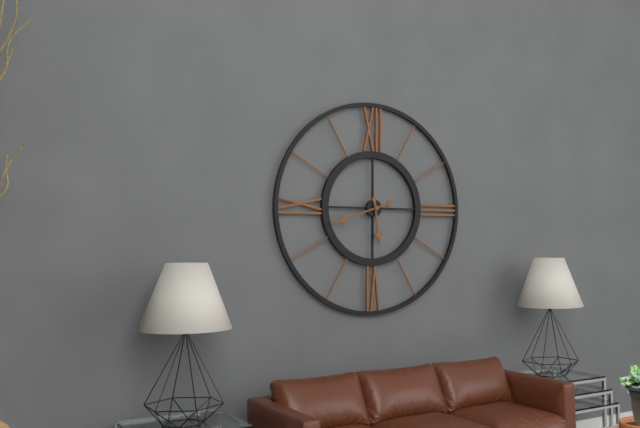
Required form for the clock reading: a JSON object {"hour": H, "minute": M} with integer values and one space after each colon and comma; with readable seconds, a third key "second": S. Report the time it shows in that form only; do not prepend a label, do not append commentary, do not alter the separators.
{"hour": 5, "minute": 42}
